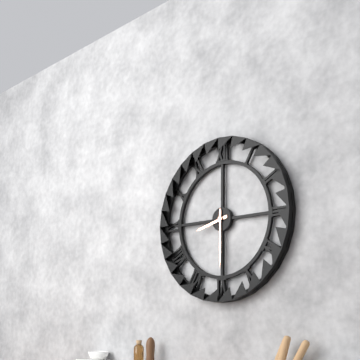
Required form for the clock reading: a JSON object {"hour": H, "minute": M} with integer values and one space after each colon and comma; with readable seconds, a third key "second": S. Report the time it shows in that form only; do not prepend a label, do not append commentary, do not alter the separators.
{"hour": 8, "minute": 30}
